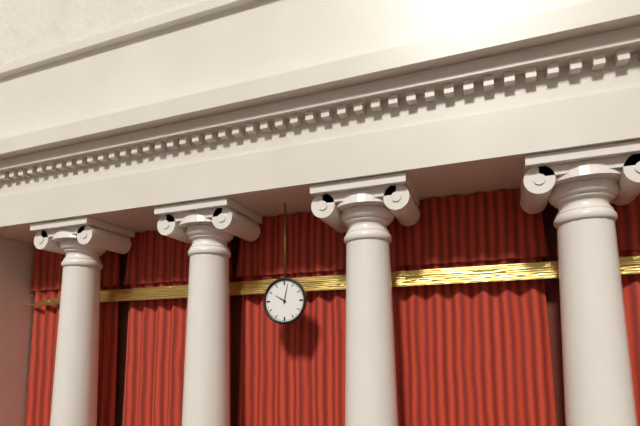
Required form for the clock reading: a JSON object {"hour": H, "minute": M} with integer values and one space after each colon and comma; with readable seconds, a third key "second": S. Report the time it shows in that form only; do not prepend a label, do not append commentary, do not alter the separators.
{"hour": 10, "minute": 2}
